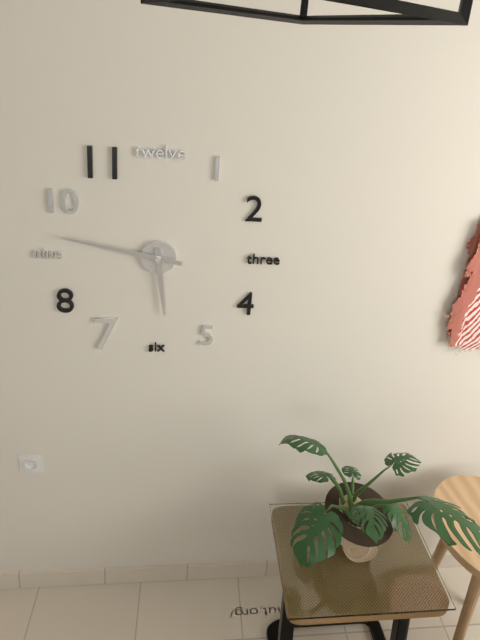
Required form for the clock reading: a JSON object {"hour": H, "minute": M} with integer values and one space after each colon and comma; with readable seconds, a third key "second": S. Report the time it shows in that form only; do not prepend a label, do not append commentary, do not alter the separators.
{"hour": 5, "minute": 47}
